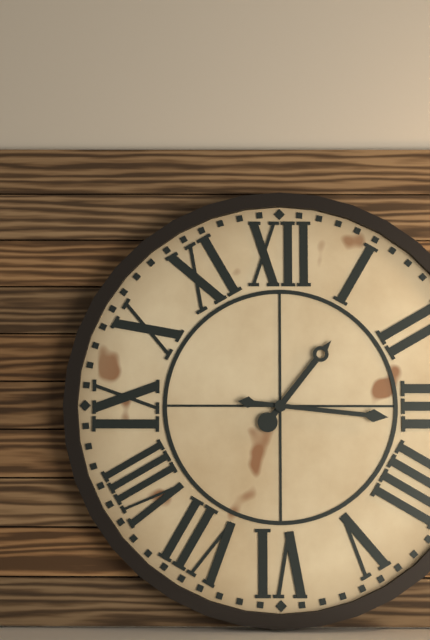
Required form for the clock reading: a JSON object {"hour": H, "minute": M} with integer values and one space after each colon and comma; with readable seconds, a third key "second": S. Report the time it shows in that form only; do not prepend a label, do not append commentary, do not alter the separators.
{"hour": 1, "minute": 16}
